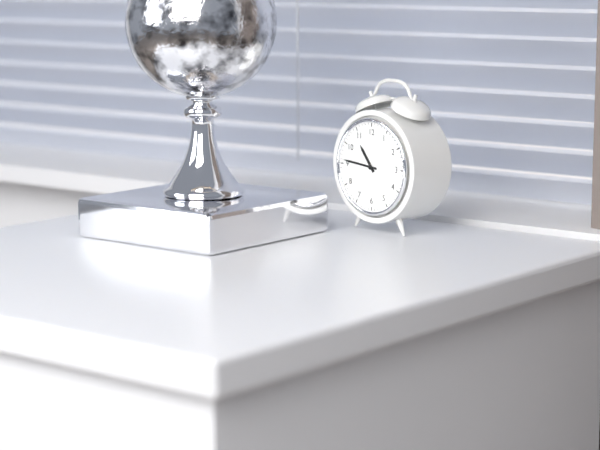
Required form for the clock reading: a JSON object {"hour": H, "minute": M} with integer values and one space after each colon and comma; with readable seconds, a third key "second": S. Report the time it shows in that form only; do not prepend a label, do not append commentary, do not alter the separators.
{"hour": 10, "minute": 46}
